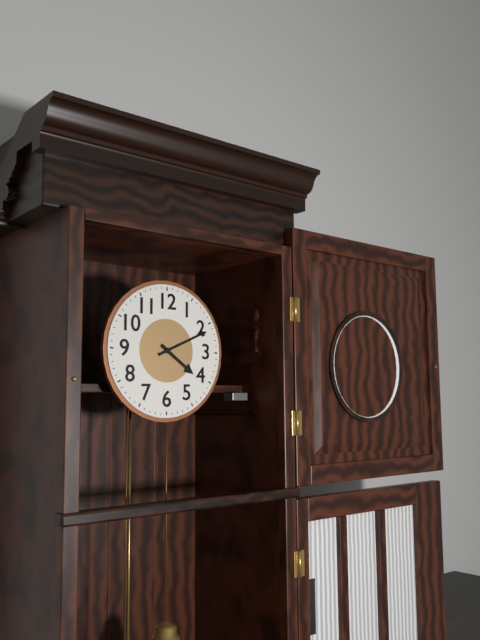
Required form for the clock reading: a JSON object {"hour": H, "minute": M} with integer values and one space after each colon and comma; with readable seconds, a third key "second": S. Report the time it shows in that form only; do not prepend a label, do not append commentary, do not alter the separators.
{"hour": 4, "minute": 11}
